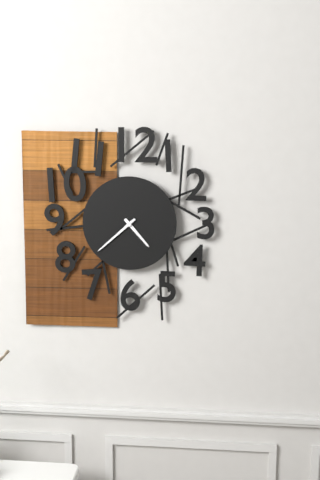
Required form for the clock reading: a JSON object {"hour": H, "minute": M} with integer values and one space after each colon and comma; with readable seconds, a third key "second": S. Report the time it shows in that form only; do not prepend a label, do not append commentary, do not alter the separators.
{"hour": 4, "minute": 38}
